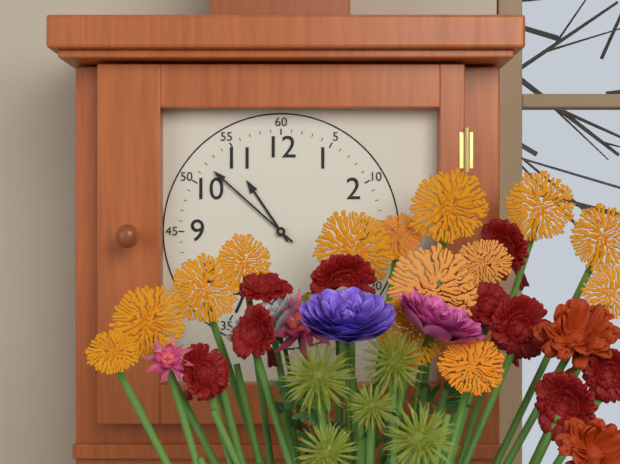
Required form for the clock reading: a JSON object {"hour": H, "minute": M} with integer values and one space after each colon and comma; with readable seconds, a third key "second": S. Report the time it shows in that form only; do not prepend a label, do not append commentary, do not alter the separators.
{"hour": 10, "minute": 52}
